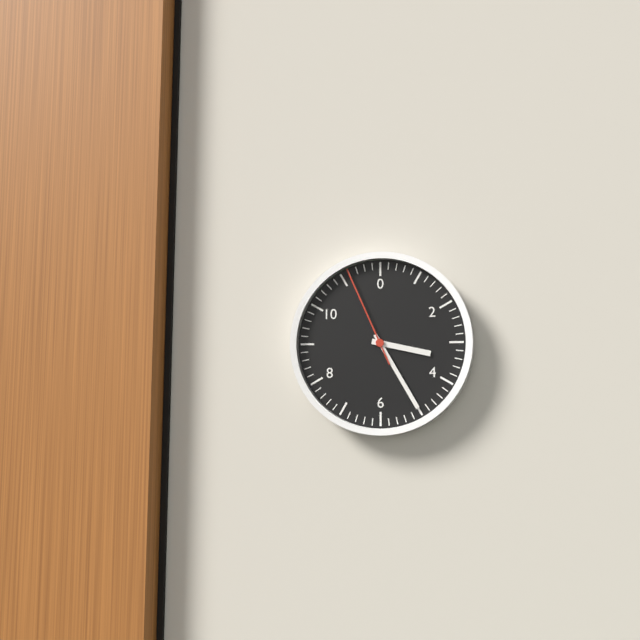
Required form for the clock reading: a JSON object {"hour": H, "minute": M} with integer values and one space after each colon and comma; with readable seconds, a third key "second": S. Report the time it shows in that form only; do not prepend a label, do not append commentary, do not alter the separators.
{"hour": 3, "minute": 25, "second": 56}
